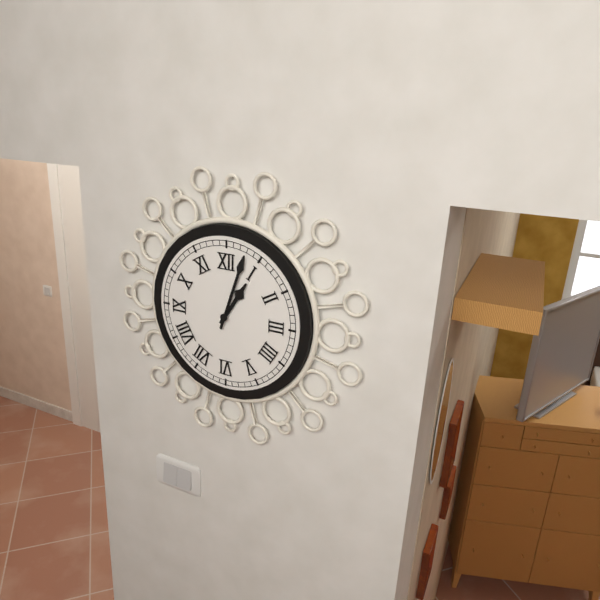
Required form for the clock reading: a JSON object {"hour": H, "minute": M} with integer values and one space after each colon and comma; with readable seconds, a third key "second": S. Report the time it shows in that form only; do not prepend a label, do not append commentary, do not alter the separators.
{"hour": 1, "minute": 3}
